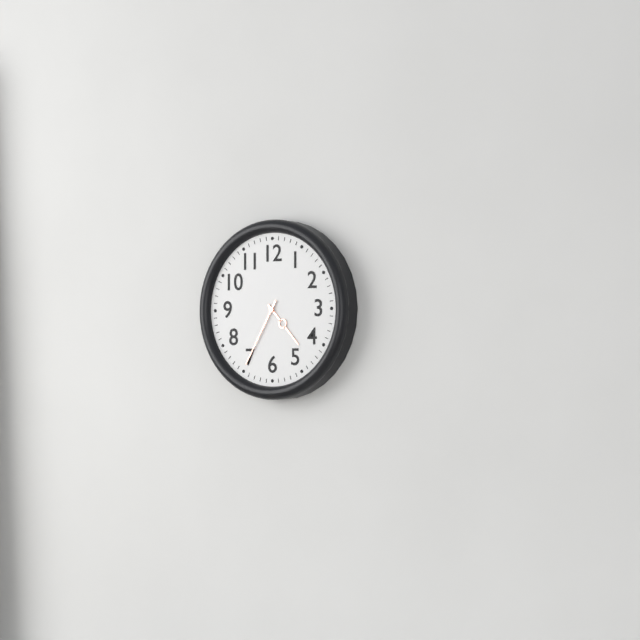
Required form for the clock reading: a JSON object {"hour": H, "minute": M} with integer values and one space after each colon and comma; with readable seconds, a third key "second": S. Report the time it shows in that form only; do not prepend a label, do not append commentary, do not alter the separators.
{"hour": 4, "minute": 35}
